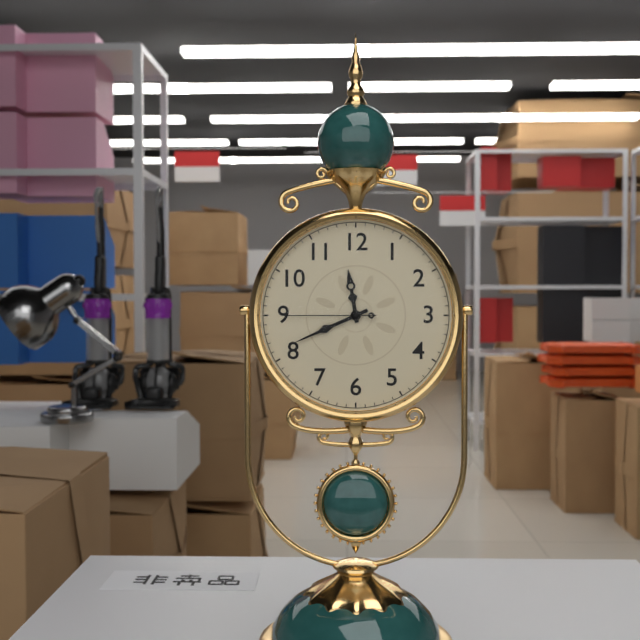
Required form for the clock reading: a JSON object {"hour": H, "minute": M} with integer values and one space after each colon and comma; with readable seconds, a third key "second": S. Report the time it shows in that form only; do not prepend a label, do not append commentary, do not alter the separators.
{"hour": 11, "minute": 41, "second": 45}
